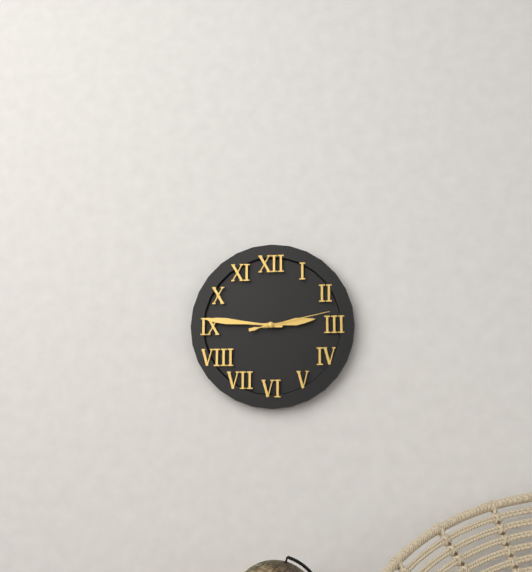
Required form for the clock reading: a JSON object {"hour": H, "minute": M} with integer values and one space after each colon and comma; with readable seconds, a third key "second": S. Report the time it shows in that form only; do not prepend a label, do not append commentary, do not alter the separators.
{"hour": 2, "minute": 46, "second": 13}
